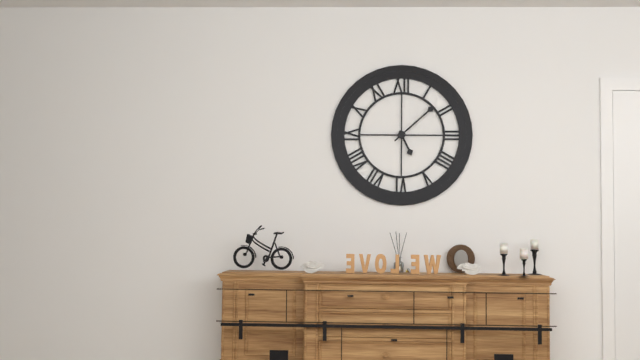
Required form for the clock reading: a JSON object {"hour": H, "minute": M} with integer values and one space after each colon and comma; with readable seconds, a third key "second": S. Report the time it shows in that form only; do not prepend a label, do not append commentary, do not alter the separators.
{"hour": 5, "minute": 8}
